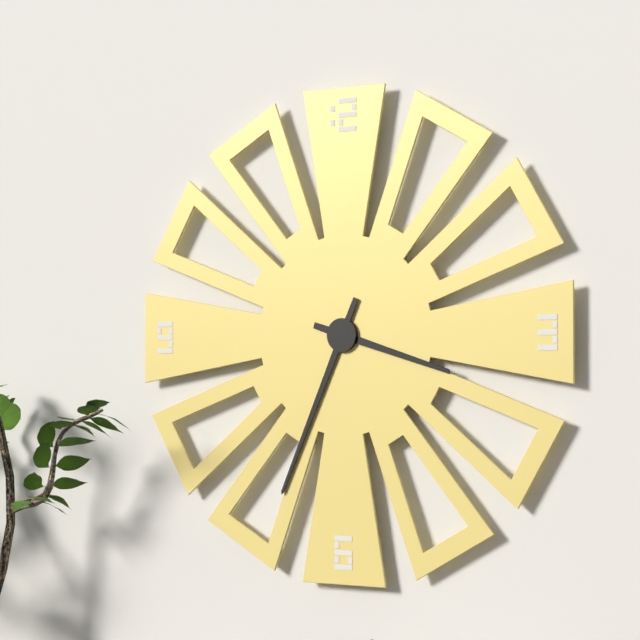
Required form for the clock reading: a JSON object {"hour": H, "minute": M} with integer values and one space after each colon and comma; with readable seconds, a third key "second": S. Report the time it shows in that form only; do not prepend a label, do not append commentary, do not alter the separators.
{"hour": 3, "minute": 34}
